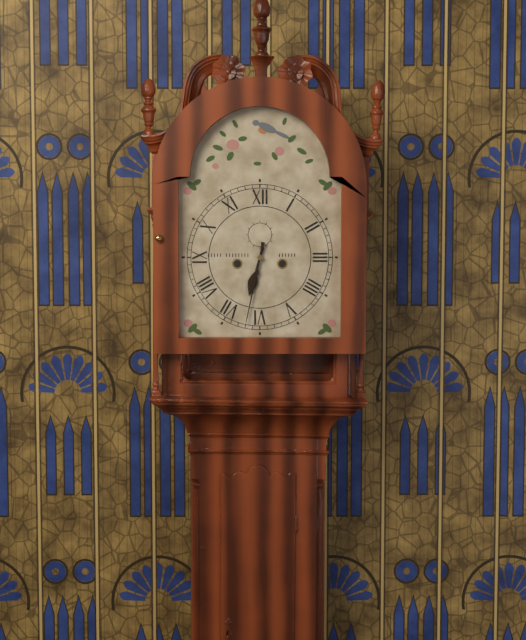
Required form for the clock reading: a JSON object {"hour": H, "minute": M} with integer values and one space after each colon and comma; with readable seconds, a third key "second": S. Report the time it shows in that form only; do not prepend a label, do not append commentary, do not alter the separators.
{"hour": 6, "minute": 32}
